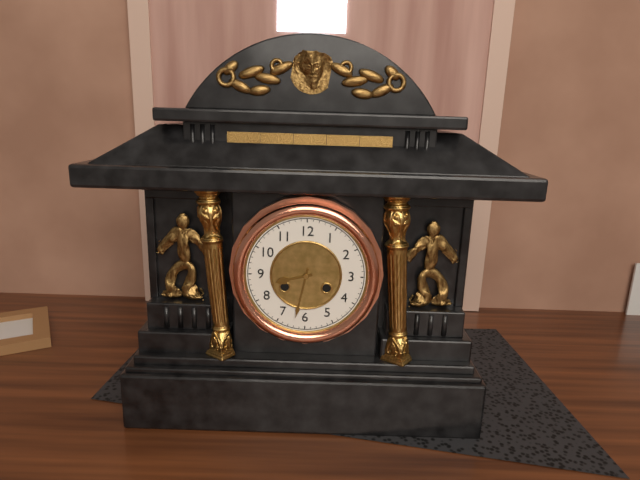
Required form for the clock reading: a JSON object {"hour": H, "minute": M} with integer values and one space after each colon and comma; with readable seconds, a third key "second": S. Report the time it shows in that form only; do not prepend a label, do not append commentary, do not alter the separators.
{"hour": 8, "minute": 32}
